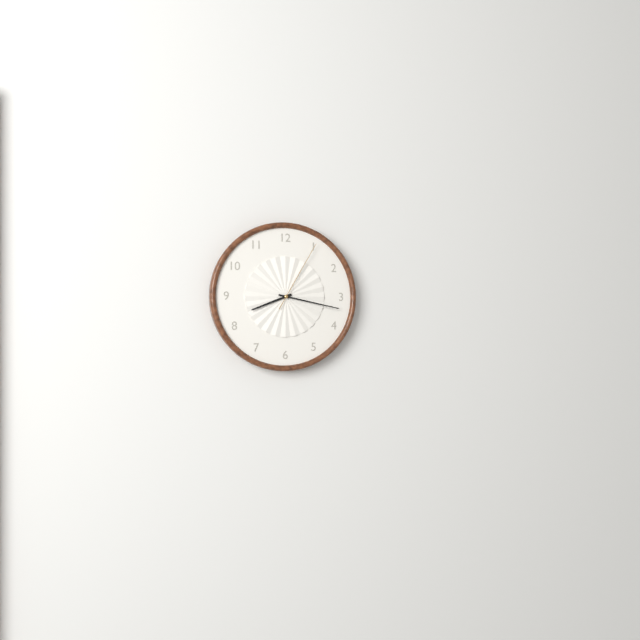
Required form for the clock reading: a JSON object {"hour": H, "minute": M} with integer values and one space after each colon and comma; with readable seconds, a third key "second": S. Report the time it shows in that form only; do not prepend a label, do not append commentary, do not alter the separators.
{"hour": 8, "minute": 17, "second": 5}
